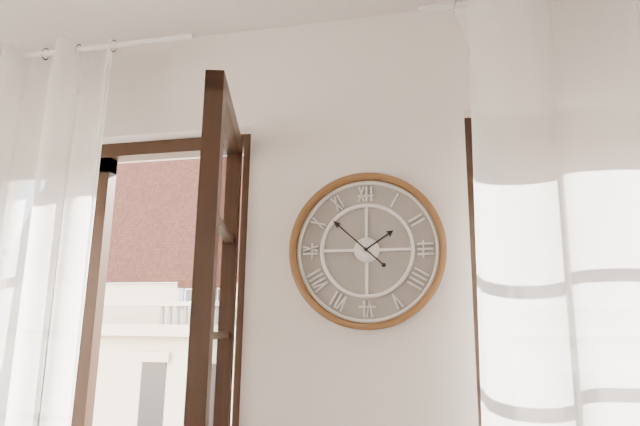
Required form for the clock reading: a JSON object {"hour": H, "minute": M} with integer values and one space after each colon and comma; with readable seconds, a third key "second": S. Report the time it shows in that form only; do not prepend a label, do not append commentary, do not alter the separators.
{"hour": 1, "minute": 52}
